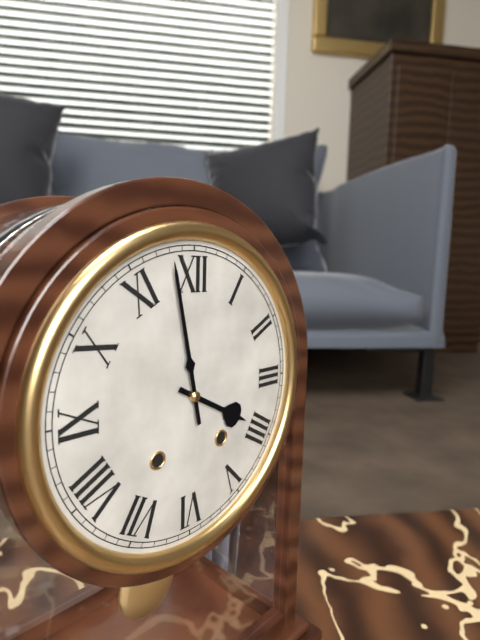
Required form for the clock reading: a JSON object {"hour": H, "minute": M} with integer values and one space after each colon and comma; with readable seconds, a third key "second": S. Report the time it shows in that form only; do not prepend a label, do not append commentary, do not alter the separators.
{"hour": 3, "minute": 58}
